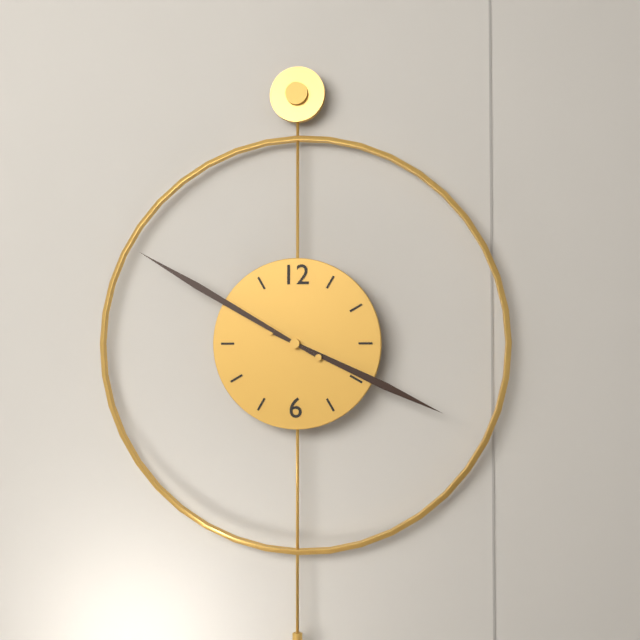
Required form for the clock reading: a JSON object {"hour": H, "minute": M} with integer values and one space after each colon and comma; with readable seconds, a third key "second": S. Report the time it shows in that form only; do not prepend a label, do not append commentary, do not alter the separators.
{"hour": 3, "minute": 50}
